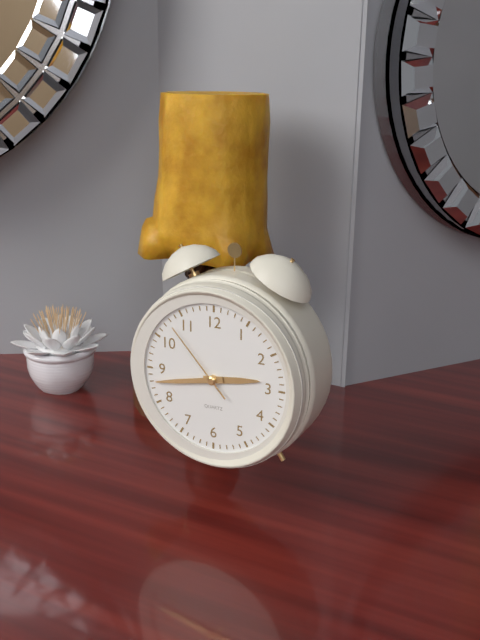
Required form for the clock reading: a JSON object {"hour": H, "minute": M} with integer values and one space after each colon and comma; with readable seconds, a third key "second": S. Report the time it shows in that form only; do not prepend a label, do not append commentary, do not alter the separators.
{"hour": 2, "minute": 43, "second": 53}
